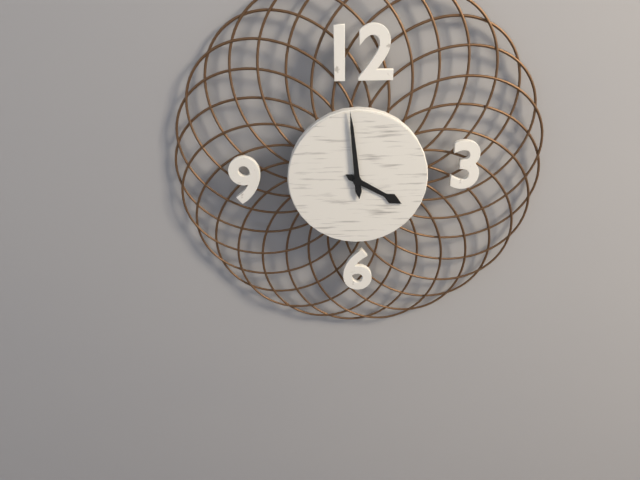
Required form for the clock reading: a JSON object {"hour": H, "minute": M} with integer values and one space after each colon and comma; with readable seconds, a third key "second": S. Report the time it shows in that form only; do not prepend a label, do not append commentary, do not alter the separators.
{"hour": 3, "minute": 59}
